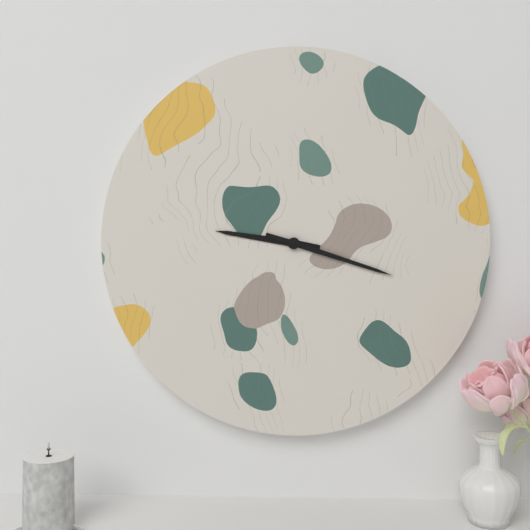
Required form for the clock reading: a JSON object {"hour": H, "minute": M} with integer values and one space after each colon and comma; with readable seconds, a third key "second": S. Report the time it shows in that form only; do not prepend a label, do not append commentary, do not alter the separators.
{"hour": 9, "minute": 18}
